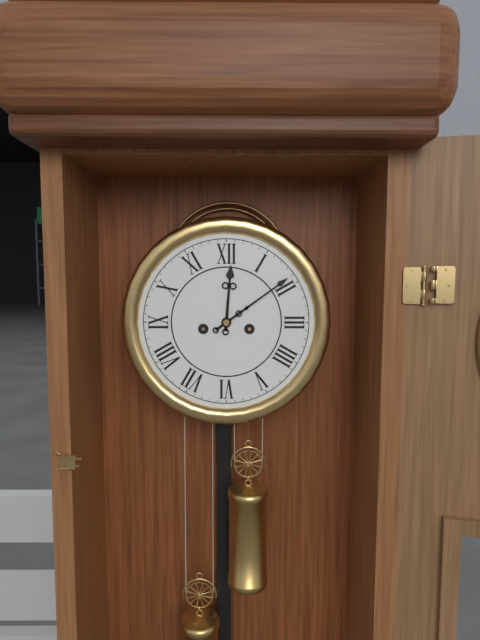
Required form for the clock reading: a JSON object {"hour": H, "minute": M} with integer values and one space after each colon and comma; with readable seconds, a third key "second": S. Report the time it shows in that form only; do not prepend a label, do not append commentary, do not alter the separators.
{"hour": 12, "minute": 9}
